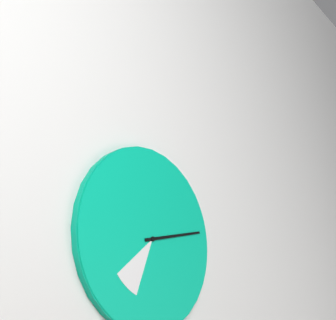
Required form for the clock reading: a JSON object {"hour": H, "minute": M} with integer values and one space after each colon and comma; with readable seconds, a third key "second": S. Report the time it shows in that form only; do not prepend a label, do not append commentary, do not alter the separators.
{"hour": 7, "minute": 13}
